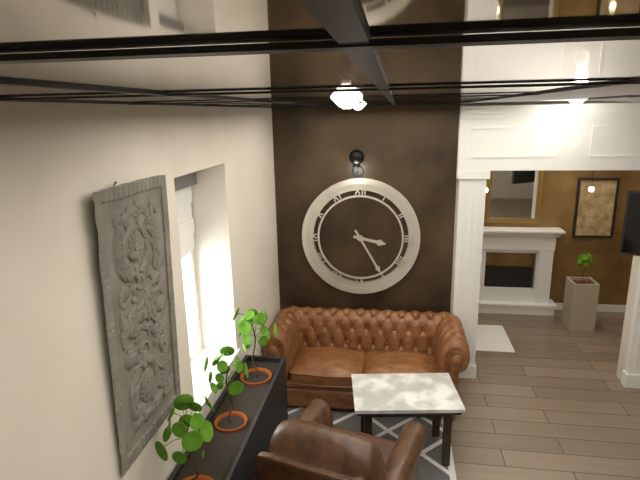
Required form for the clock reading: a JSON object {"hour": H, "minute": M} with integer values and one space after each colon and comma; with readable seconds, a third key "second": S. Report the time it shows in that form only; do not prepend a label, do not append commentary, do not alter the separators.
{"hour": 3, "minute": 25}
